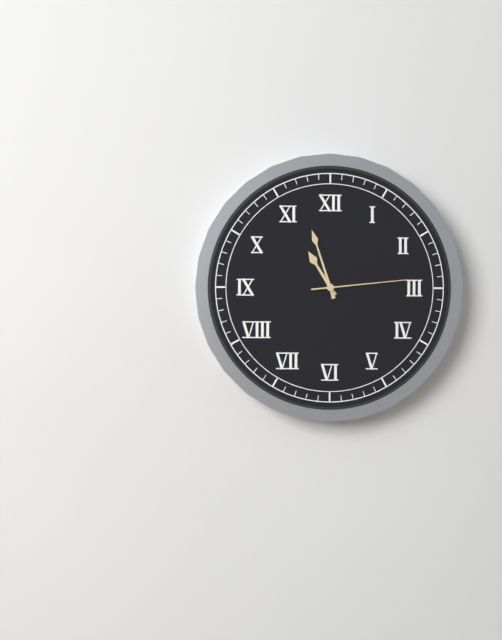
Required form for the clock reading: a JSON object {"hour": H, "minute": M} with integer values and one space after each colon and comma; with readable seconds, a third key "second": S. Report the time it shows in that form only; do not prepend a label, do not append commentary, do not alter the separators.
{"hour": 10, "minute": 57, "second": 14}
